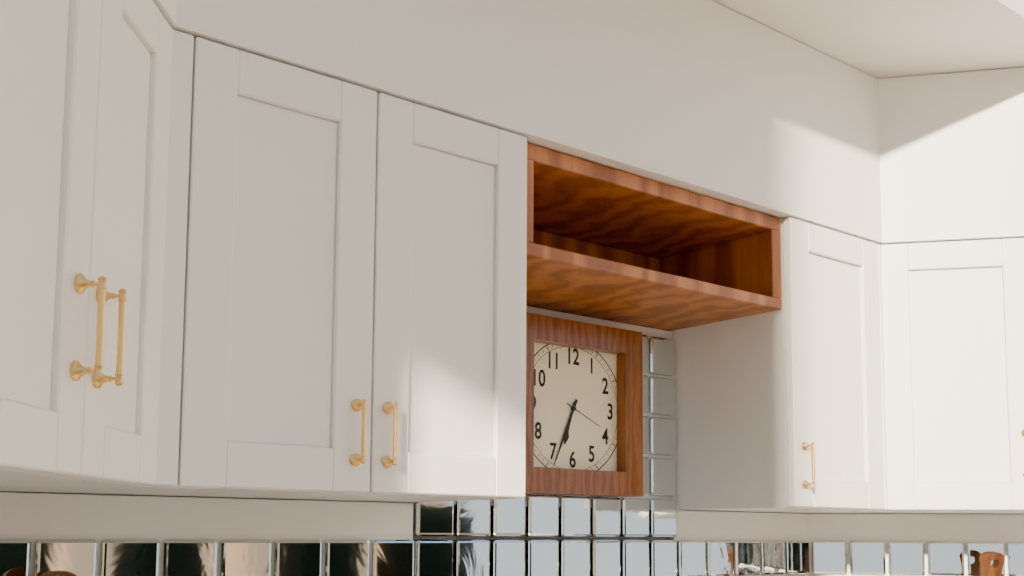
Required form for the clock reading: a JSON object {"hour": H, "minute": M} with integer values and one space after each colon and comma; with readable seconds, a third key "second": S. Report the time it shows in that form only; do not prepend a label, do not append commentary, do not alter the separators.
{"hour": 6, "minute": 34}
